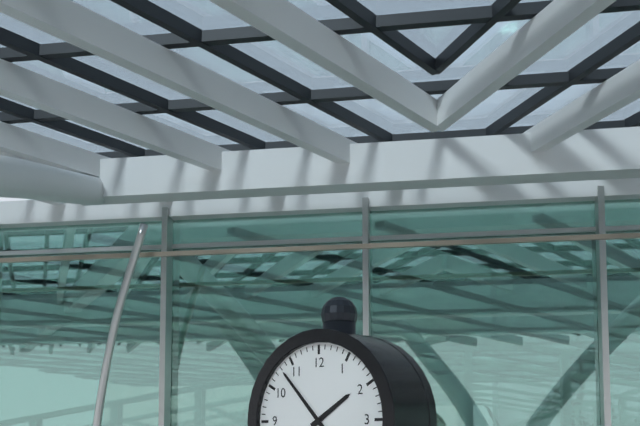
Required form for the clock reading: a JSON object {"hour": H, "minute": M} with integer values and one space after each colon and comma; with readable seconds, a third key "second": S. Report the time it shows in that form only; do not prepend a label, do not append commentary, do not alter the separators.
{"hour": 1, "minute": 53}
